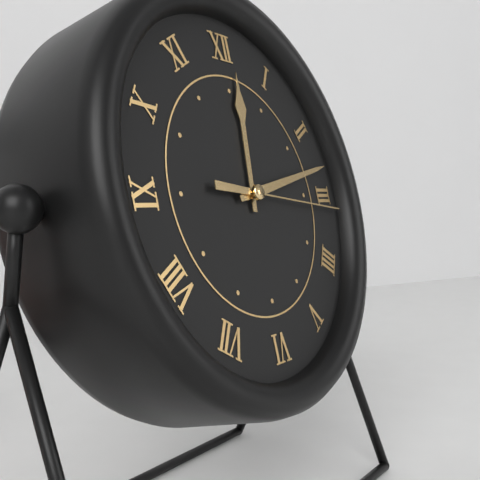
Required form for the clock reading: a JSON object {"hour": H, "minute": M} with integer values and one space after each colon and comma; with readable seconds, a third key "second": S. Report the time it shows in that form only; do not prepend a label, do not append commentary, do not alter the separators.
{"hour": 12, "minute": 13, "second": 16}
